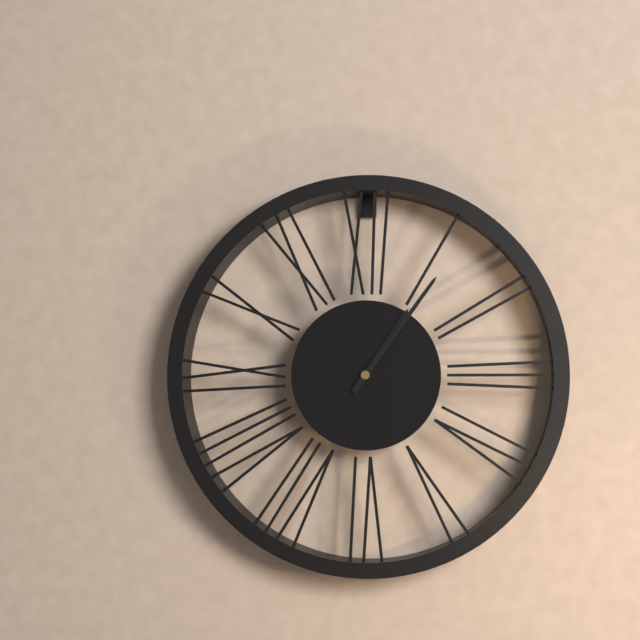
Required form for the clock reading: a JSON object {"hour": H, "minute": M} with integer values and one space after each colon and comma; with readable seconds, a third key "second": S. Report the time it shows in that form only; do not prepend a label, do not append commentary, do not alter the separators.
{"hour": 1, "minute": 6}
